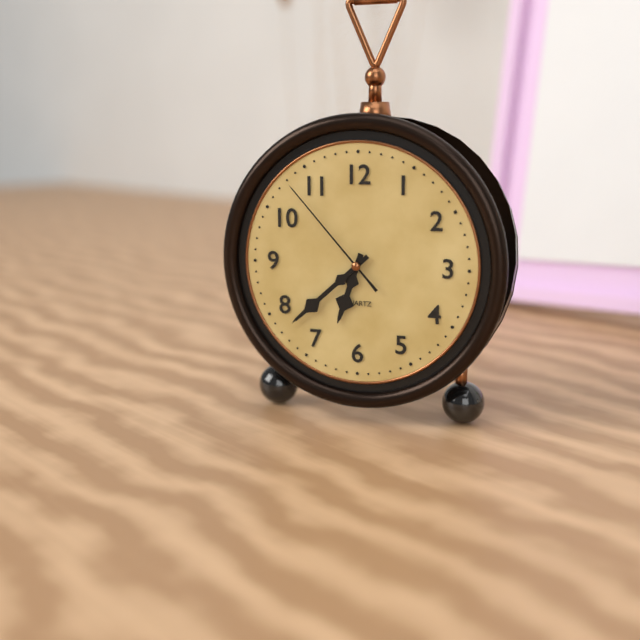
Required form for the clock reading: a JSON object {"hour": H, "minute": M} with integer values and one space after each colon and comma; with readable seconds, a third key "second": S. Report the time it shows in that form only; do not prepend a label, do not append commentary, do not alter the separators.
{"hour": 6, "minute": 38, "second": 53}
